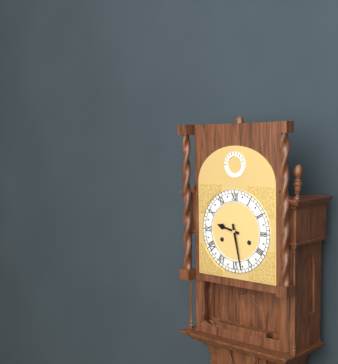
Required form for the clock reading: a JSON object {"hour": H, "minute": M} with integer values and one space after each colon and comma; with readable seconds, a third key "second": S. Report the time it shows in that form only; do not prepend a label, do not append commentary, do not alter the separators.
{"hour": 9, "minute": 28}
